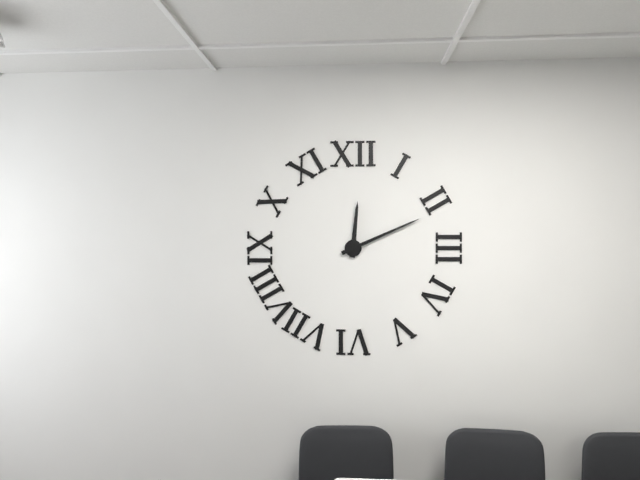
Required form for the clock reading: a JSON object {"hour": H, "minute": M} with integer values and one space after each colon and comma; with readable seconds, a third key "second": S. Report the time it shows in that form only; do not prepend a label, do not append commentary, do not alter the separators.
{"hour": 12, "minute": 11}
